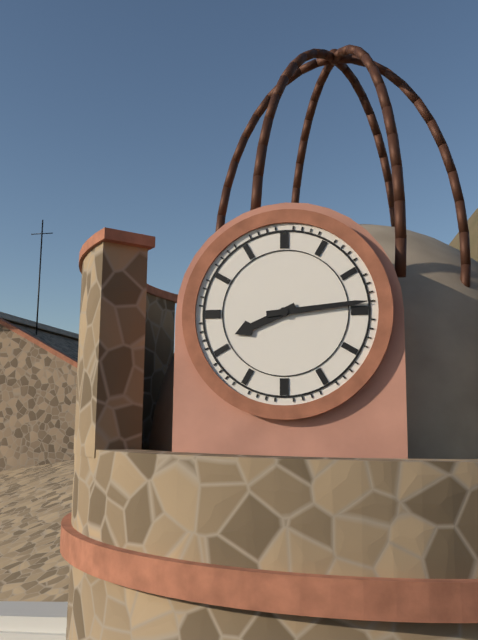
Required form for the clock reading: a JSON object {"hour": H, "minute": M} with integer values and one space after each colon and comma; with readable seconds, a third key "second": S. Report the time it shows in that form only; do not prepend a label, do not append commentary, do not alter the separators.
{"hour": 8, "minute": 14}
